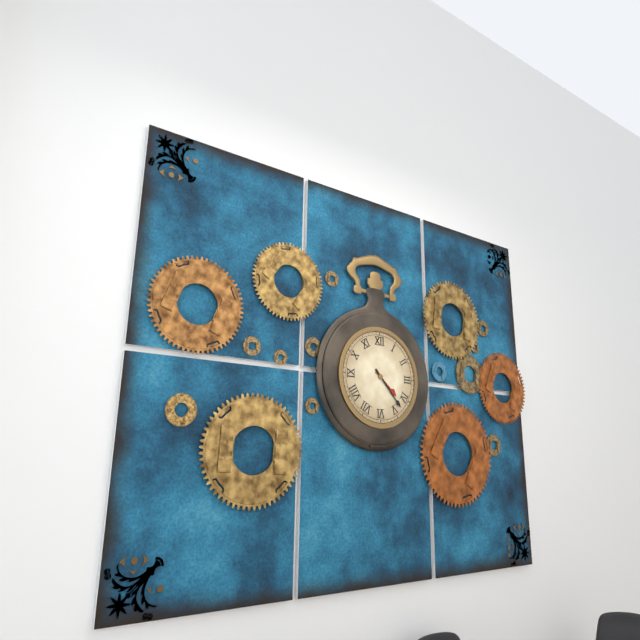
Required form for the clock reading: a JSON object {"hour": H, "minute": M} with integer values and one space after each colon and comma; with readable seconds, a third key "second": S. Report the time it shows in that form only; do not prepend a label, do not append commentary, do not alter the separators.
{"hour": 4, "minute": 23}
